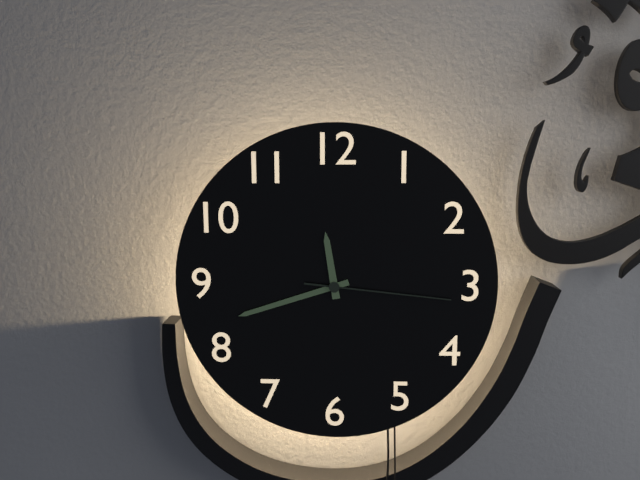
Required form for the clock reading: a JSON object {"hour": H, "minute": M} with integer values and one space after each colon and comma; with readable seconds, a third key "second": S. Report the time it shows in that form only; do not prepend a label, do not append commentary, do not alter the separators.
{"hour": 11, "minute": 42, "second": 16}
